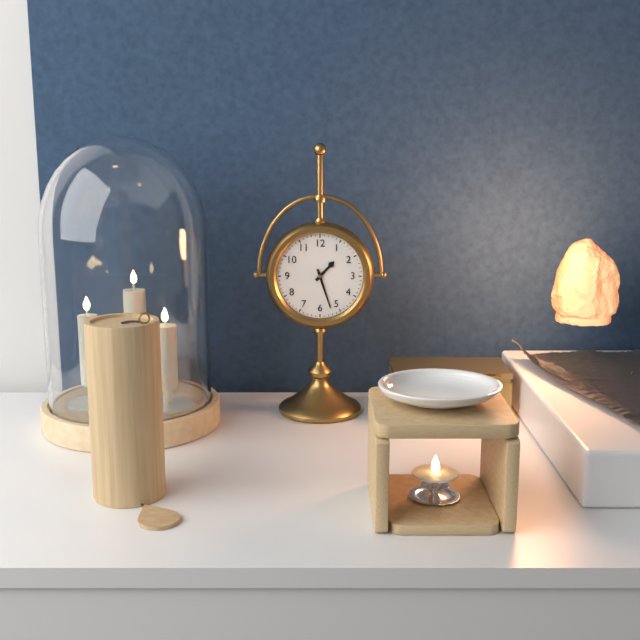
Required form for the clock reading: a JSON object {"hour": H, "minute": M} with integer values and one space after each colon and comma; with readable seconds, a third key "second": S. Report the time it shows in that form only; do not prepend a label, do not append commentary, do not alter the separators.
{"hour": 1, "minute": 27}
